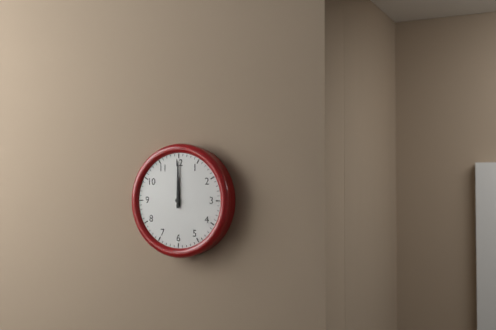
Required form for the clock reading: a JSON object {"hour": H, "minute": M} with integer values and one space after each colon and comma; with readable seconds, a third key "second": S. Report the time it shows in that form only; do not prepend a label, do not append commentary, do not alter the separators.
{"hour": 12, "minute": 0}
